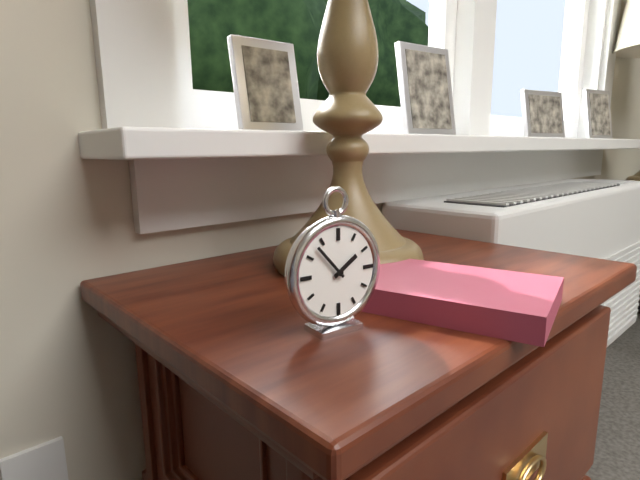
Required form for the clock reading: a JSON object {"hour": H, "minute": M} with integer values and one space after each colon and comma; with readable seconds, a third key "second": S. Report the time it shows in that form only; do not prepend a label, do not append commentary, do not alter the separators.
{"hour": 1, "minute": 53}
